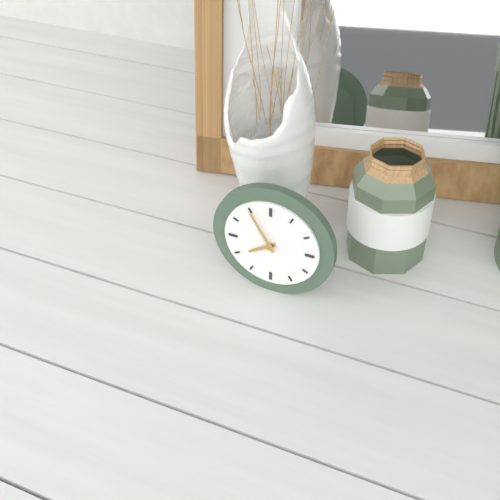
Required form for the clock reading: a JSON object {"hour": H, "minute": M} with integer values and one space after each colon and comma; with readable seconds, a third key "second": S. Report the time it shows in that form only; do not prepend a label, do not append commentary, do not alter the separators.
{"hour": 7, "minute": 55}
